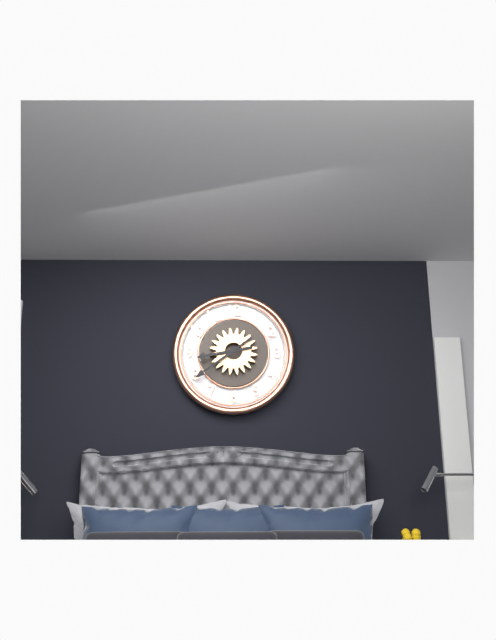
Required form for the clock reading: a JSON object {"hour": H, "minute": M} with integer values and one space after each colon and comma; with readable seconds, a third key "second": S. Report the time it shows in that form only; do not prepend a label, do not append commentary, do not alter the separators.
{"hour": 8, "minute": 39}
